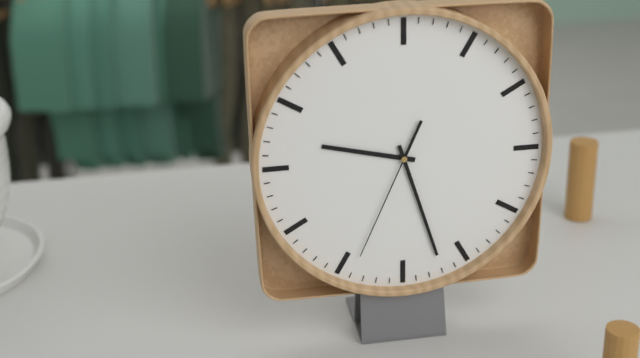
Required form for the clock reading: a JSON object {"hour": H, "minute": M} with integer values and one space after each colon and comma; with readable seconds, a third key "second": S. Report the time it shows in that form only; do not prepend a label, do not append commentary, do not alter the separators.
{"hour": 9, "minute": 27, "second": 34}
